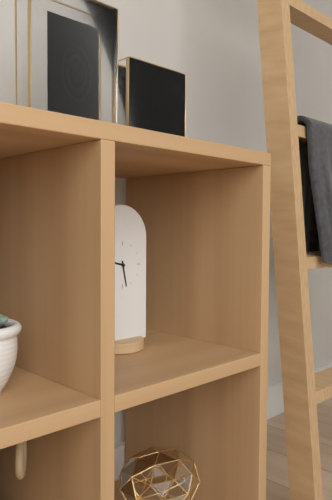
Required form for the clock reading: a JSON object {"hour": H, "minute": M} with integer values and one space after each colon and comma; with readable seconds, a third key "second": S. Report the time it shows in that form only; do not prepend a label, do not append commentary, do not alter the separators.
{"hour": 9, "minute": 28}
